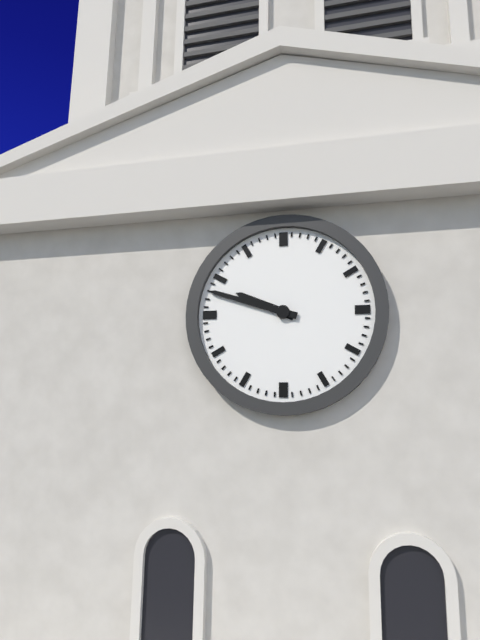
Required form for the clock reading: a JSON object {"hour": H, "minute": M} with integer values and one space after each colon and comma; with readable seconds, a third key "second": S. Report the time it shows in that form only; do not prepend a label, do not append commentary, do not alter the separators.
{"hour": 9, "minute": 48}
